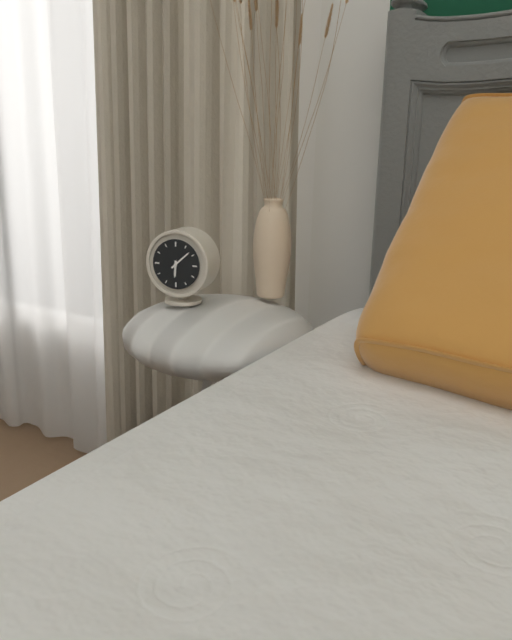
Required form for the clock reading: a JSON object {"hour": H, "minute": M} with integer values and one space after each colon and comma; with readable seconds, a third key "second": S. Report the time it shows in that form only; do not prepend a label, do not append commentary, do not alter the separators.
{"hour": 6, "minute": 8}
